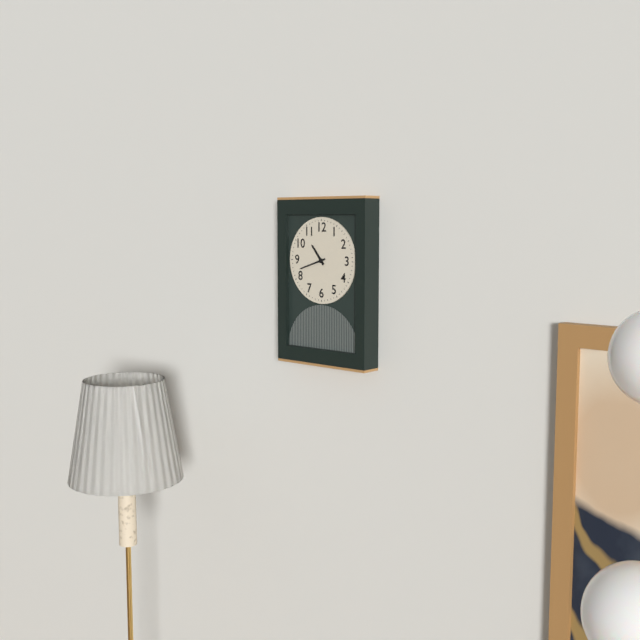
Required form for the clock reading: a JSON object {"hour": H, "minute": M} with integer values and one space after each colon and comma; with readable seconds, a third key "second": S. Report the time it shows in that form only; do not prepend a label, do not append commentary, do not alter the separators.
{"hour": 10, "minute": 42}
